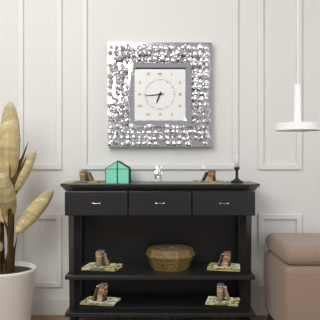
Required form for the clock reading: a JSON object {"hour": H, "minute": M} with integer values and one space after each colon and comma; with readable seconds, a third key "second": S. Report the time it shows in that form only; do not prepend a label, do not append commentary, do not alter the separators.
{"hour": 6, "minute": 44}
